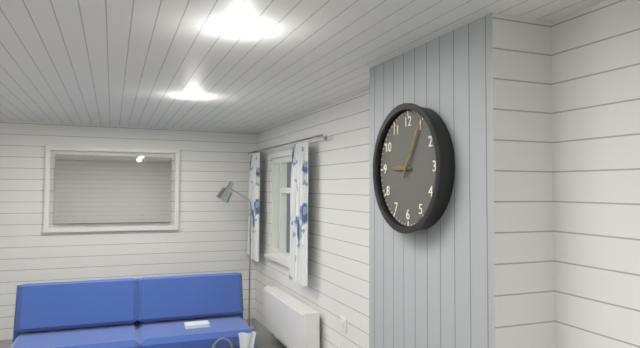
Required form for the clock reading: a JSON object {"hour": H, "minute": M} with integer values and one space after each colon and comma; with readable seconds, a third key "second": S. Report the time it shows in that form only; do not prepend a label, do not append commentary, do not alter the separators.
{"hour": 9, "minute": 5}
